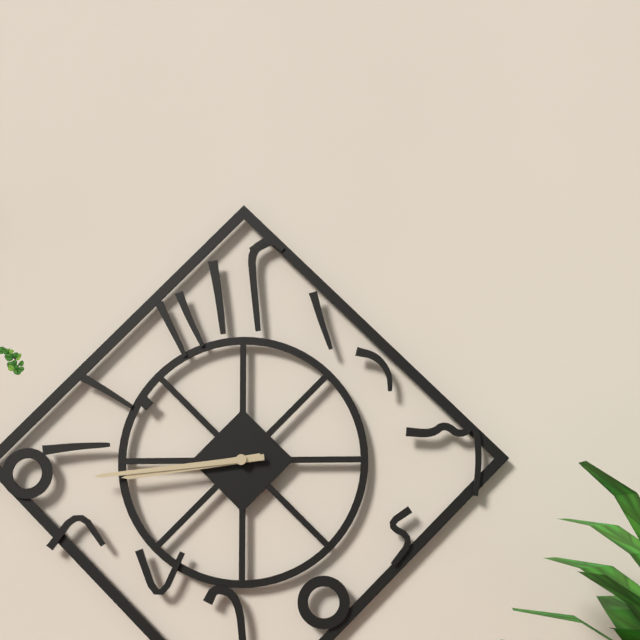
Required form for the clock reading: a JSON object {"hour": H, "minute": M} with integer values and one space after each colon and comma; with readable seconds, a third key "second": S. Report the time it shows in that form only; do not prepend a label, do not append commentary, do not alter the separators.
{"hour": 8, "minute": 44}
